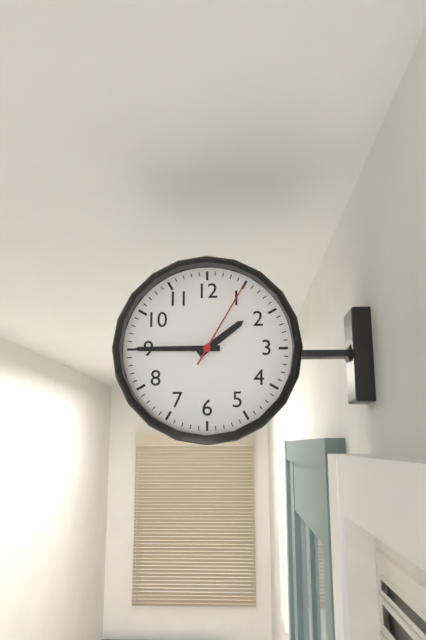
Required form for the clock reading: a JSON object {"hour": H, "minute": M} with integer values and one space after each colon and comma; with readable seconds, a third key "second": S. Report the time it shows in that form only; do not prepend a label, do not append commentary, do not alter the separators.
{"hour": 1, "minute": 45, "second": 5}
